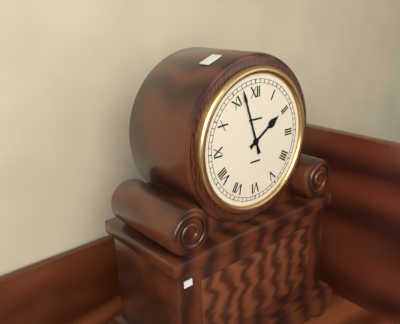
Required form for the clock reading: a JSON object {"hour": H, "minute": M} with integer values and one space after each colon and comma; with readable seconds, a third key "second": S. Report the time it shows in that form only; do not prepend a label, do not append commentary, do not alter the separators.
{"hour": 1, "minute": 57}
